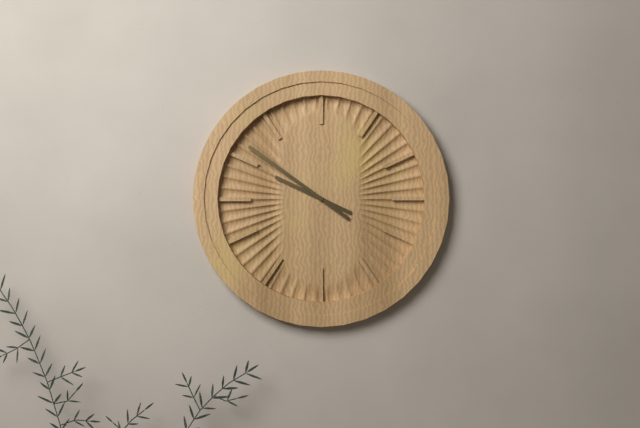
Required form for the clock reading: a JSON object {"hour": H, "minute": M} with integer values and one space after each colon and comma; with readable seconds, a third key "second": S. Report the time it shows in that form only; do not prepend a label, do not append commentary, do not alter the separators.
{"hour": 9, "minute": 51}
